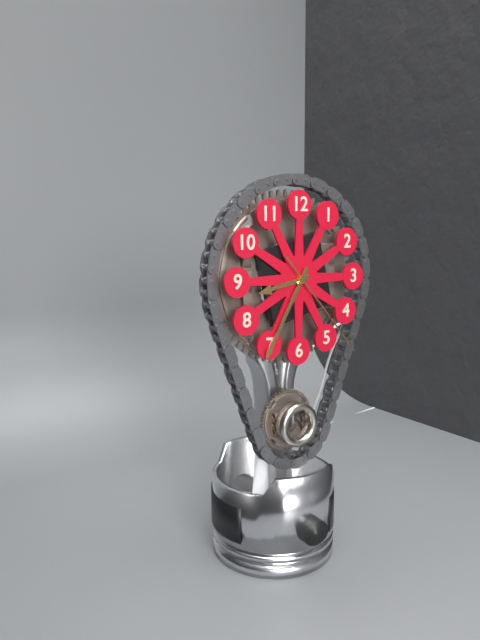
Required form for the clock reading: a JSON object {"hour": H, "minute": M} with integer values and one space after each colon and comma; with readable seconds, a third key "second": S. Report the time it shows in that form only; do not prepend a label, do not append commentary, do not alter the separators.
{"hour": 8, "minute": 35, "second": 23}
